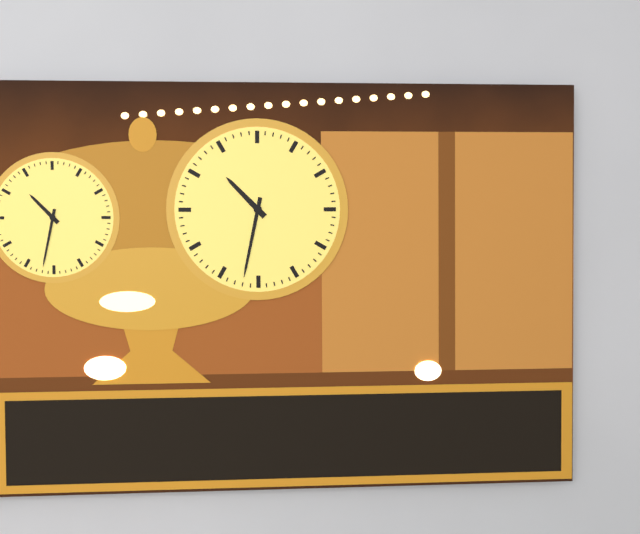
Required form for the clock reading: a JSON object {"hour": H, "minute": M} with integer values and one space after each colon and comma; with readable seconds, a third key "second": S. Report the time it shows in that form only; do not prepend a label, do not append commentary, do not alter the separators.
{"hour": 10, "minute": 32}
